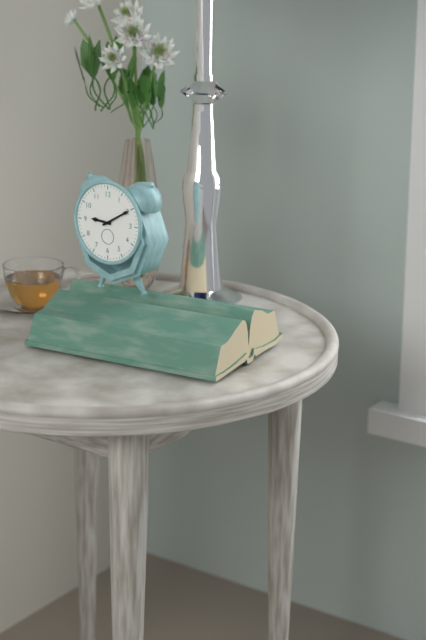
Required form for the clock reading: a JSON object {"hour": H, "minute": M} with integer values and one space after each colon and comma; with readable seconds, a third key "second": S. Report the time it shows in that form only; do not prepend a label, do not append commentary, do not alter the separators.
{"hour": 9, "minute": 10}
